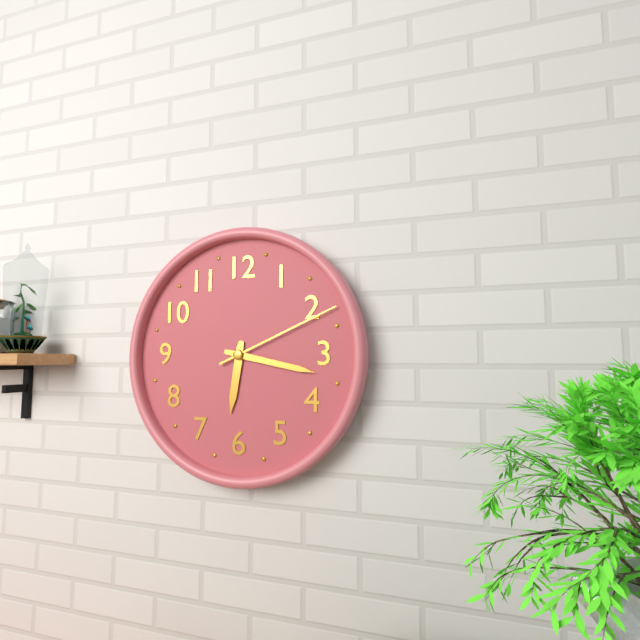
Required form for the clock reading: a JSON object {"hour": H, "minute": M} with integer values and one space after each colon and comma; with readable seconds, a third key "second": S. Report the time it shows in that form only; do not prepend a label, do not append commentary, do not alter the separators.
{"hour": 6, "minute": 17, "second": 11}
